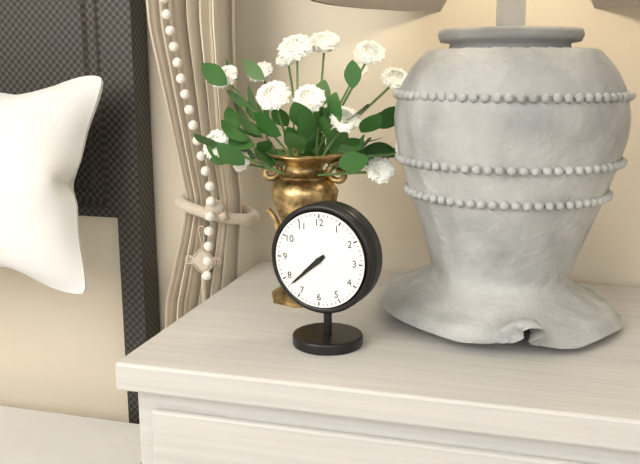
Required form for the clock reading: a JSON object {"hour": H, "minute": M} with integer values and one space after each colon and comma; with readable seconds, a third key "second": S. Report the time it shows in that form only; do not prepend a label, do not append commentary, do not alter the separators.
{"hour": 7, "minute": 38}
